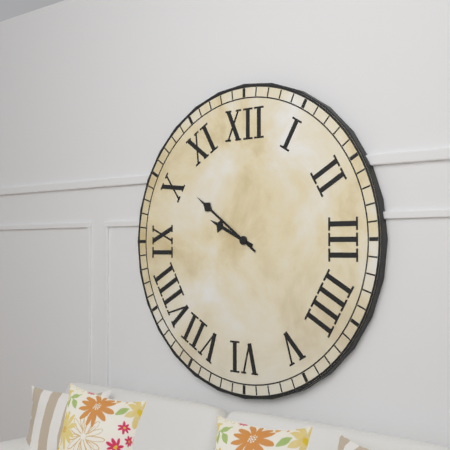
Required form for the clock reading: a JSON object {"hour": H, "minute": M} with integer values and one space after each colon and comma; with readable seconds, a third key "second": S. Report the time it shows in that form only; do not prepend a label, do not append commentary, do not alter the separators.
{"hour": 9, "minute": 51}
